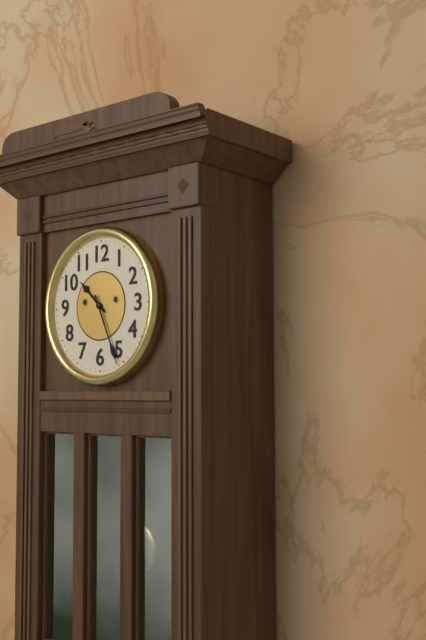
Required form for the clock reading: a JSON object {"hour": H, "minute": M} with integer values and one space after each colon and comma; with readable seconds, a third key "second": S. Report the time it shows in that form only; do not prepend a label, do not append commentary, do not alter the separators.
{"hour": 10, "minute": 26}
